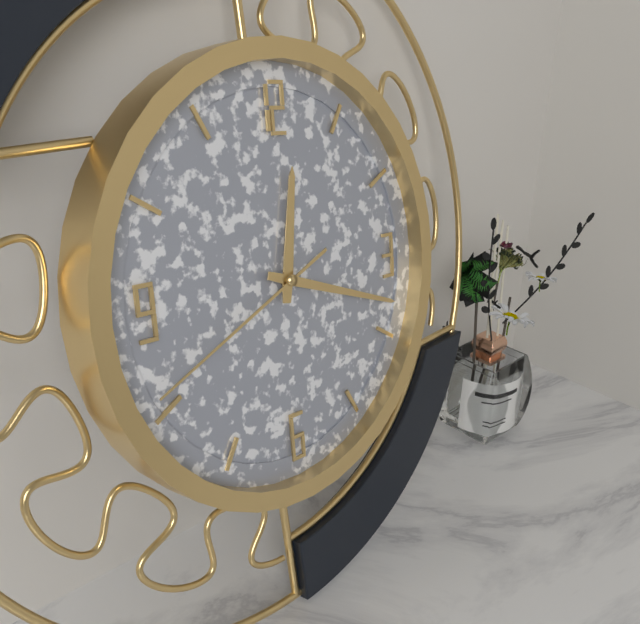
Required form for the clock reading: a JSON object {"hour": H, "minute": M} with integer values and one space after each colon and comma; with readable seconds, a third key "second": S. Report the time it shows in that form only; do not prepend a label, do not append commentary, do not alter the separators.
{"hour": 12, "minute": 18, "second": 41}
